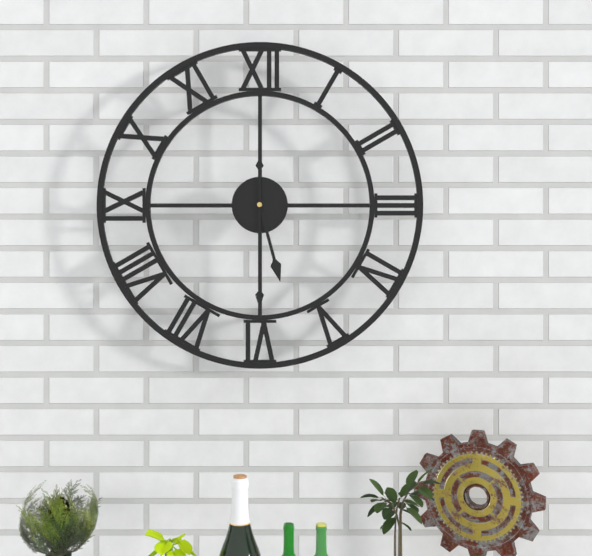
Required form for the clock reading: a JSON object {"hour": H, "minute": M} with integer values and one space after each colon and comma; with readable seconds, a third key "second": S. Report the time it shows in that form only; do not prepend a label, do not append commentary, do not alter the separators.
{"hour": 5, "minute": 30}
